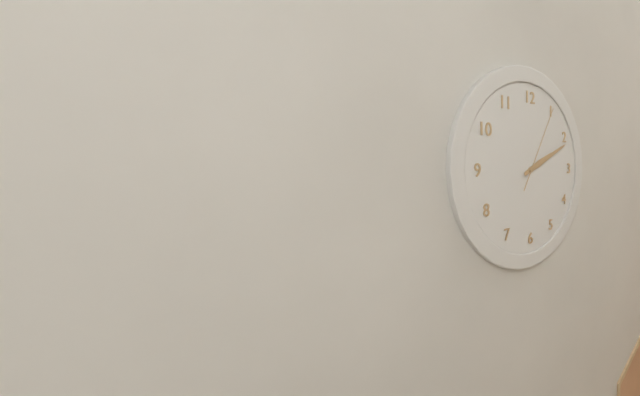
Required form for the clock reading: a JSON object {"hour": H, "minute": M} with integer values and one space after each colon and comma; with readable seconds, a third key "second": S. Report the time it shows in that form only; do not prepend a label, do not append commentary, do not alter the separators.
{"hour": 2, "minute": 11, "second": 5}
